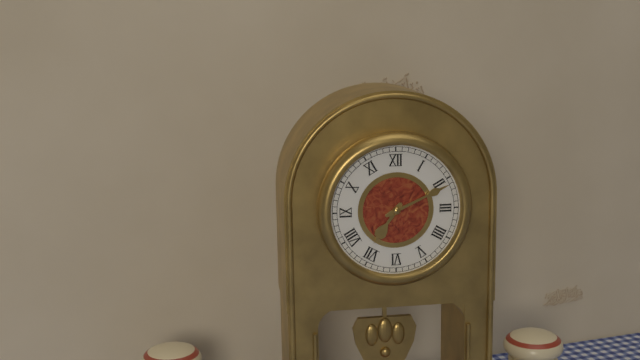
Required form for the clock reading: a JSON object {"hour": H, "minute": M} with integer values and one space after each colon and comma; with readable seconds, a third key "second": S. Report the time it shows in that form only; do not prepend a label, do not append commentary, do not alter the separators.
{"hour": 7, "minute": 11}
